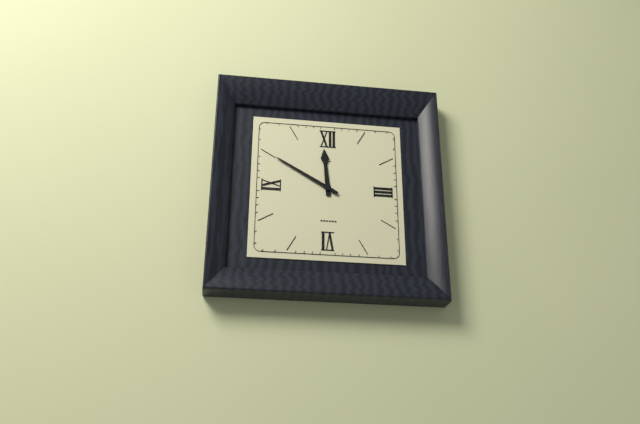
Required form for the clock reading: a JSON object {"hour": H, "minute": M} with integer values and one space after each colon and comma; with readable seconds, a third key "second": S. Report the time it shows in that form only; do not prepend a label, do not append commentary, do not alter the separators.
{"hour": 11, "minute": 50}
